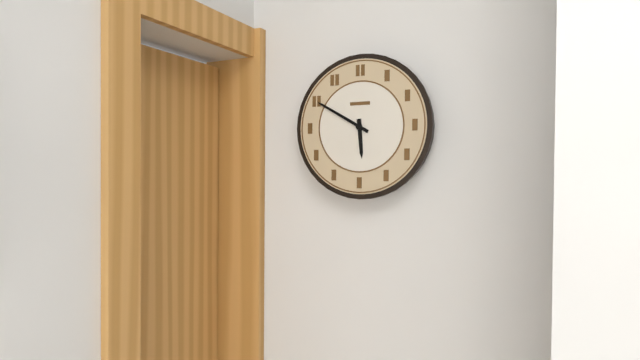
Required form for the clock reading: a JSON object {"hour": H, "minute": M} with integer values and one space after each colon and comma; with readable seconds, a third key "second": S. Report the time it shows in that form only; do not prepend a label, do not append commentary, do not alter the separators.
{"hour": 5, "minute": 50}
